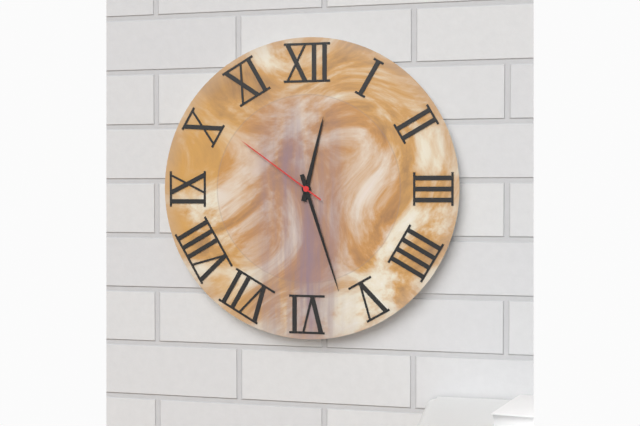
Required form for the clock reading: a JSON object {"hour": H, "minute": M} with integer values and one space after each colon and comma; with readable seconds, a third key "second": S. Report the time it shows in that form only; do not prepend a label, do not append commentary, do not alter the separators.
{"hour": 12, "minute": 27, "second": 51}
